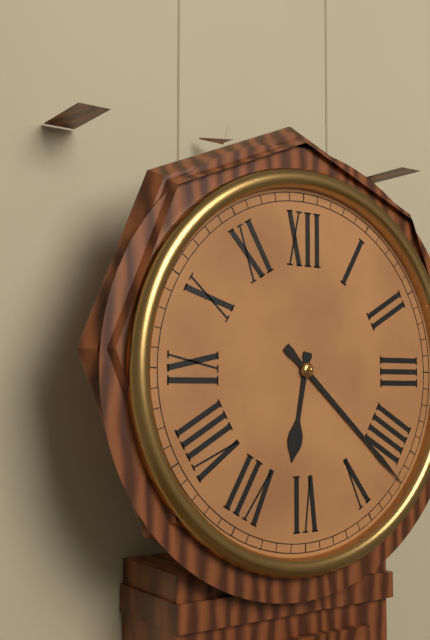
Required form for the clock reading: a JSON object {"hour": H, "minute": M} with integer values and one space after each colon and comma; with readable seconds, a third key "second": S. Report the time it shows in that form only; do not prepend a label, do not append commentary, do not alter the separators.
{"hour": 6, "minute": 22}
